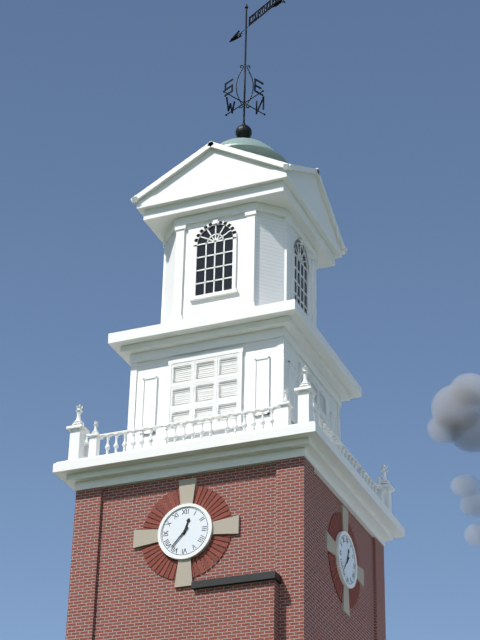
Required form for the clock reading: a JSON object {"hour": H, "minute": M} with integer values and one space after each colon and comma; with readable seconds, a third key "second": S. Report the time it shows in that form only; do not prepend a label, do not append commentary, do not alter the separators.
{"hour": 12, "minute": 37}
